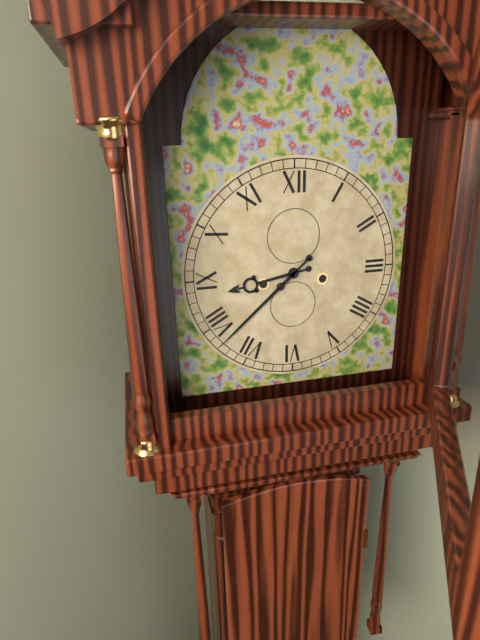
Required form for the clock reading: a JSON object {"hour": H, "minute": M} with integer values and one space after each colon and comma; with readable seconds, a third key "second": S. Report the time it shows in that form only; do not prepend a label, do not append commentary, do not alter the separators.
{"hour": 8, "minute": 38}
